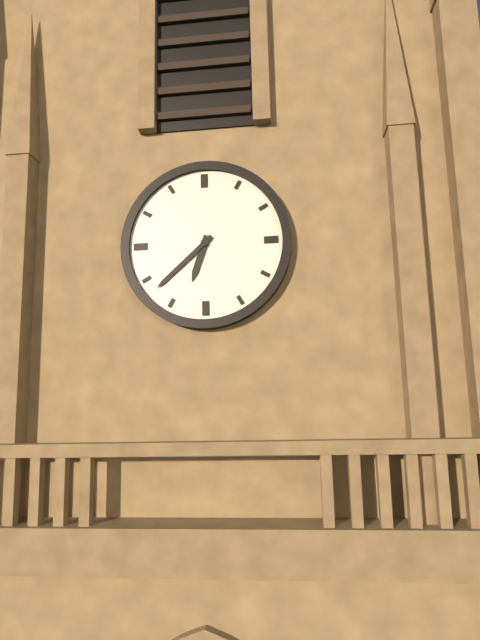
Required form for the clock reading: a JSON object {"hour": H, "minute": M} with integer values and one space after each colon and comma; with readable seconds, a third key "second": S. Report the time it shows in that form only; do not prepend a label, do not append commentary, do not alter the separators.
{"hour": 6, "minute": 38}
